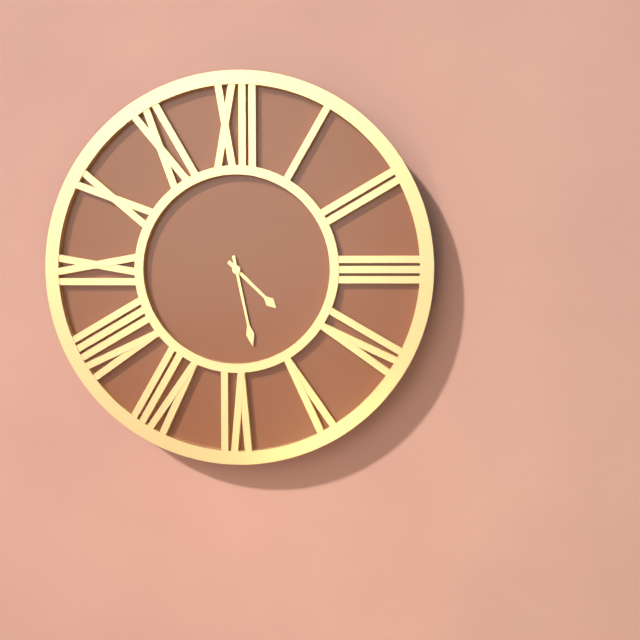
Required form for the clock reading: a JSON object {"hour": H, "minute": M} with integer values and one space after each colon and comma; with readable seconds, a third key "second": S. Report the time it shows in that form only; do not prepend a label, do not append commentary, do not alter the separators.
{"hour": 4, "minute": 28}
